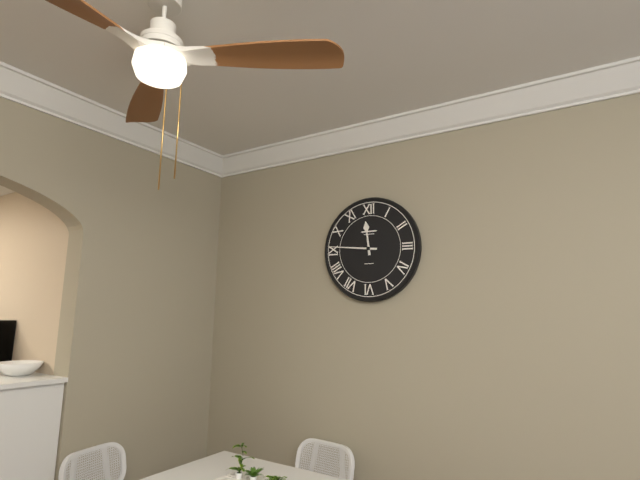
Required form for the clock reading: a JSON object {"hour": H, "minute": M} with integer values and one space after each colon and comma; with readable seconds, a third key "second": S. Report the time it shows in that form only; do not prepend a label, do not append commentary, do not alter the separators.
{"hour": 11, "minute": 46}
